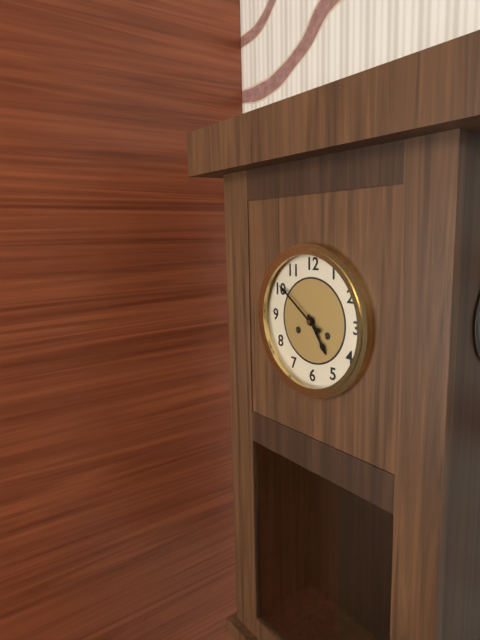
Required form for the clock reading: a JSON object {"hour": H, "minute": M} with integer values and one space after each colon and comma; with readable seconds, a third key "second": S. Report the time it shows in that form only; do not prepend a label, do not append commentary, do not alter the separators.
{"hour": 4, "minute": 51}
